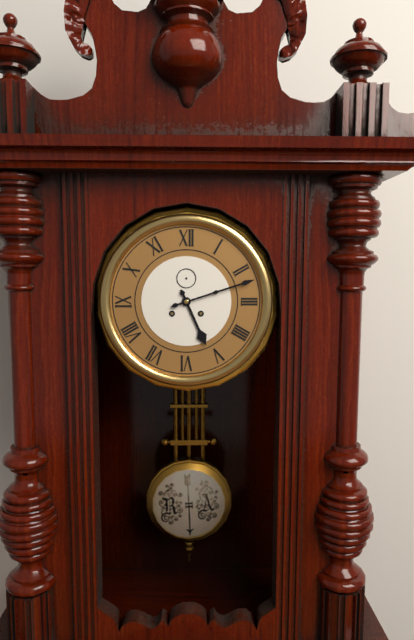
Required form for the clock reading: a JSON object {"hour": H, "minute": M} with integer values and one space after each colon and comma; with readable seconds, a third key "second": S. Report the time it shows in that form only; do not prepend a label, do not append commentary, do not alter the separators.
{"hour": 5, "minute": 12}
